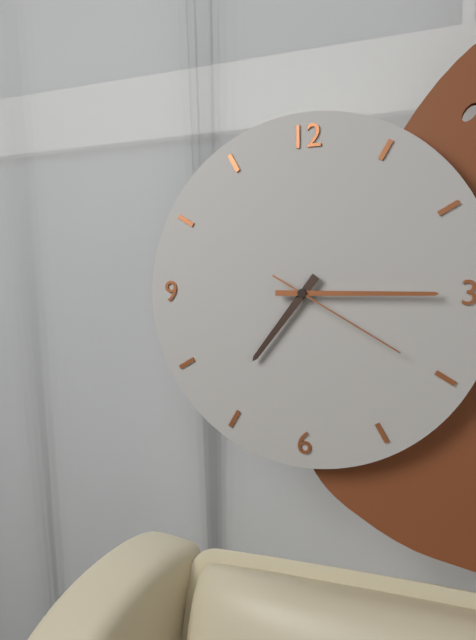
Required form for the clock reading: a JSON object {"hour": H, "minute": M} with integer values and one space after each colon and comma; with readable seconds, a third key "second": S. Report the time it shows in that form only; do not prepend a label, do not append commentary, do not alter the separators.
{"hour": 7, "minute": 15, "second": 20}
